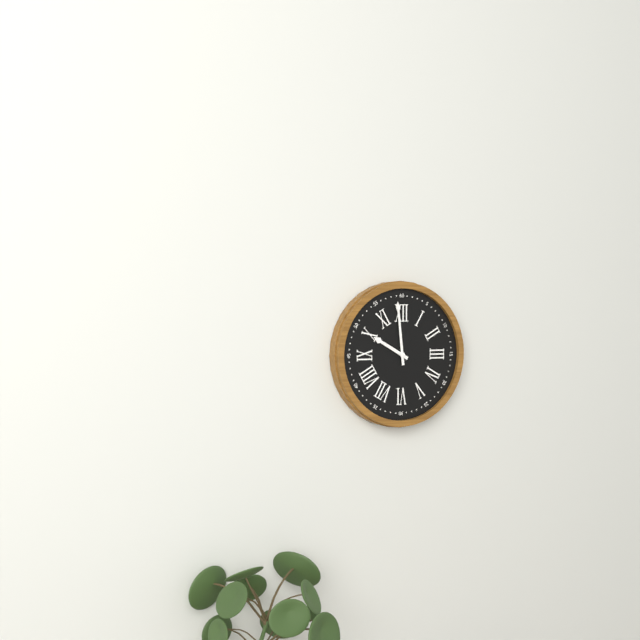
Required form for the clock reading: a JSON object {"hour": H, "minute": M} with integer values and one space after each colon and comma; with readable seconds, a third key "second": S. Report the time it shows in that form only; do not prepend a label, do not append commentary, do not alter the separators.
{"hour": 9, "minute": 59}
